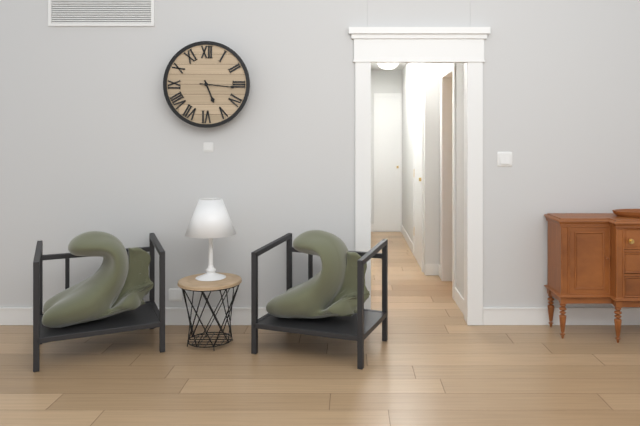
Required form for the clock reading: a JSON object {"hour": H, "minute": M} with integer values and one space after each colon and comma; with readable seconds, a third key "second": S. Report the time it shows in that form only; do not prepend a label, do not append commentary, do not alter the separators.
{"hour": 5, "minute": 16}
